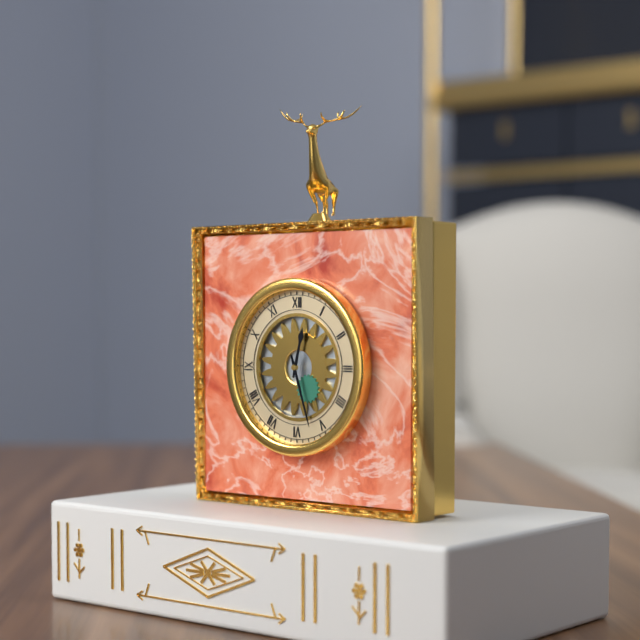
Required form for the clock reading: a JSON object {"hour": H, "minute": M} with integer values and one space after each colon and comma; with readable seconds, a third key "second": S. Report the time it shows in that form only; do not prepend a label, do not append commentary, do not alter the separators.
{"hour": 12, "minute": 27}
